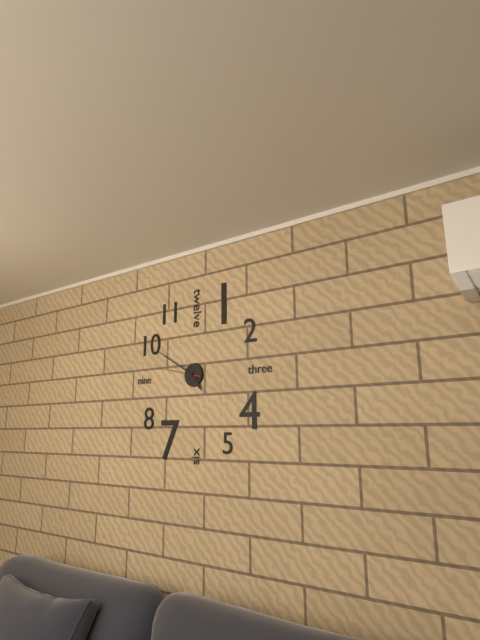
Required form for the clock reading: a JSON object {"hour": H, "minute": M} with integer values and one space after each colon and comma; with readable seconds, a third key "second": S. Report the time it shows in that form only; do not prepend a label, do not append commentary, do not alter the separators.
{"hour": 4, "minute": 50}
